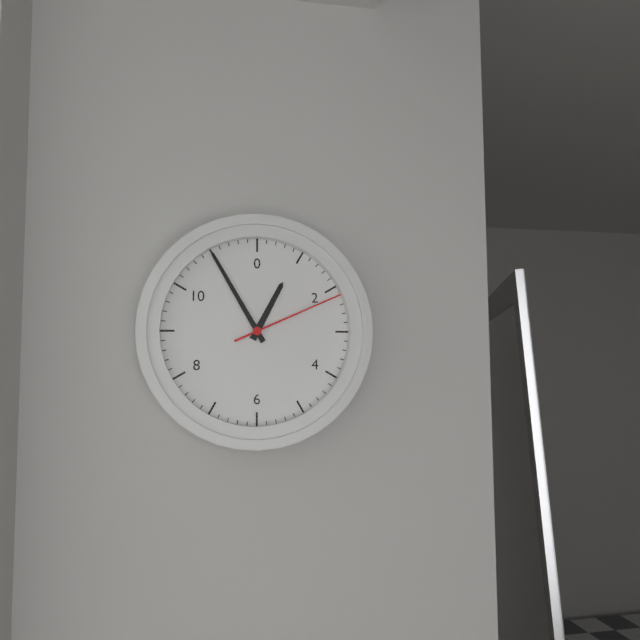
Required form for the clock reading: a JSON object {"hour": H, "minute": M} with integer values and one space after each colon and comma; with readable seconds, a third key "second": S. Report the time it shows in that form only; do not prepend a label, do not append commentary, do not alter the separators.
{"hour": 12, "minute": 55, "second": 11}
